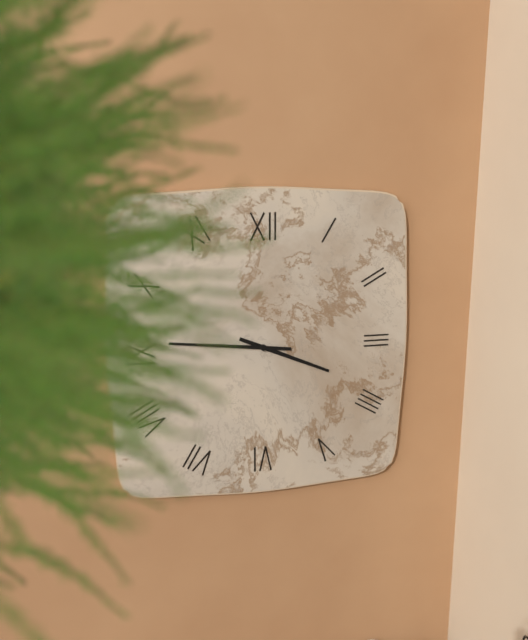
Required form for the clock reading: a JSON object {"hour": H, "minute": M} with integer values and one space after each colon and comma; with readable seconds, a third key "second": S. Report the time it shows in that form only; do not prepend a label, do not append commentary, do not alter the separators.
{"hour": 3, "minute": 46}
